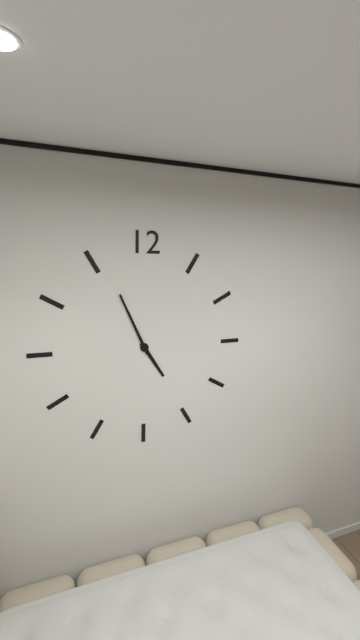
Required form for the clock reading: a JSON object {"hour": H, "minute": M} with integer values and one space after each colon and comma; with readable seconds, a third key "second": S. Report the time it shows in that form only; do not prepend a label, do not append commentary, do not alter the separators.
{"hour": 4, "minute": 56}
